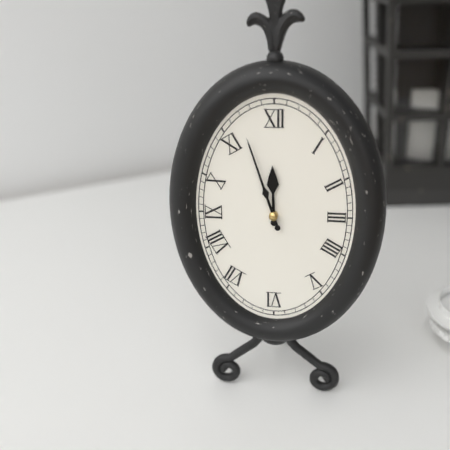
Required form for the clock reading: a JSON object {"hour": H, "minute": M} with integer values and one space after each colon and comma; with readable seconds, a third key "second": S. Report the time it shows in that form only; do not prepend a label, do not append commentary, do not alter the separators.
{"hour": 11, "minute": 57}
